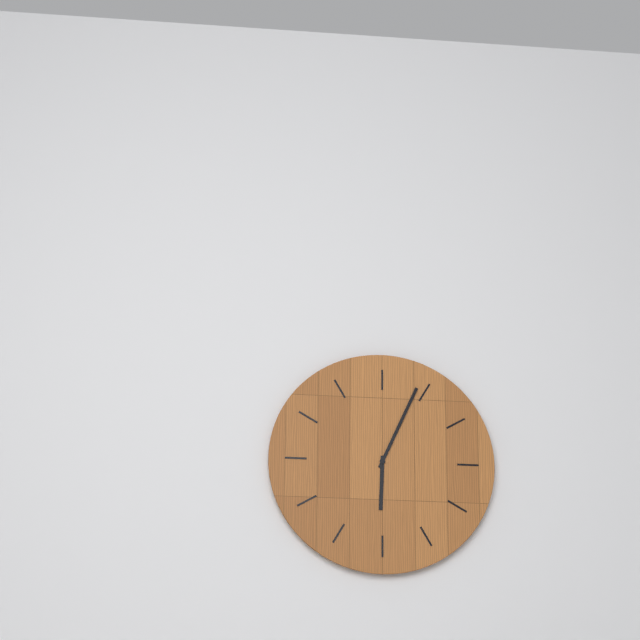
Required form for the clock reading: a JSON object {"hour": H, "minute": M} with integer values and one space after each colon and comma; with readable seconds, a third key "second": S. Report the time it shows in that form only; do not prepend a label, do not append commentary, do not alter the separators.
{"hour": 6, "minute": 4}
